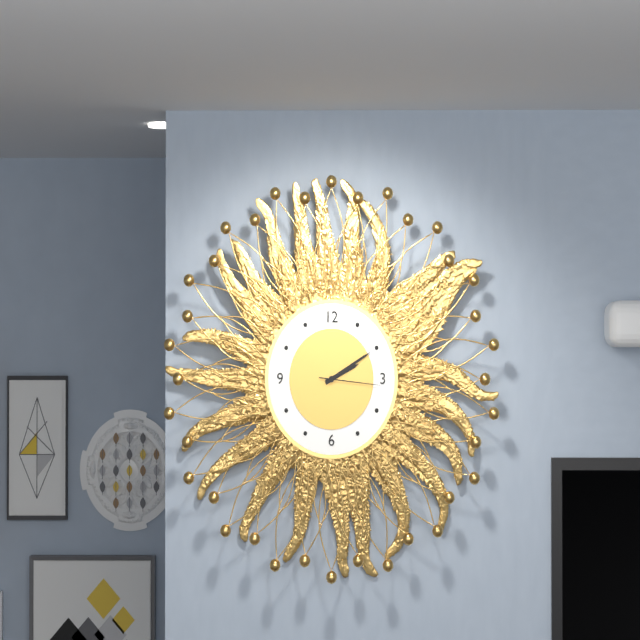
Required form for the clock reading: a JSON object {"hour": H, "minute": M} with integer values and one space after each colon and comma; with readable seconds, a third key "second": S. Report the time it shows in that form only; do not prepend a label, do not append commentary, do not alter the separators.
{"hour": 2, "minute": 10, "second": 16}
